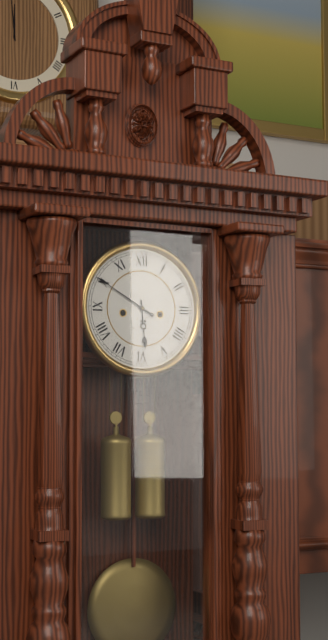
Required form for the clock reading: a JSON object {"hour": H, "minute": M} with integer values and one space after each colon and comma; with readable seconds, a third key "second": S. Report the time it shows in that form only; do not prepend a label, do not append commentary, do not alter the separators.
{"hour": 5, "minute": 50}
